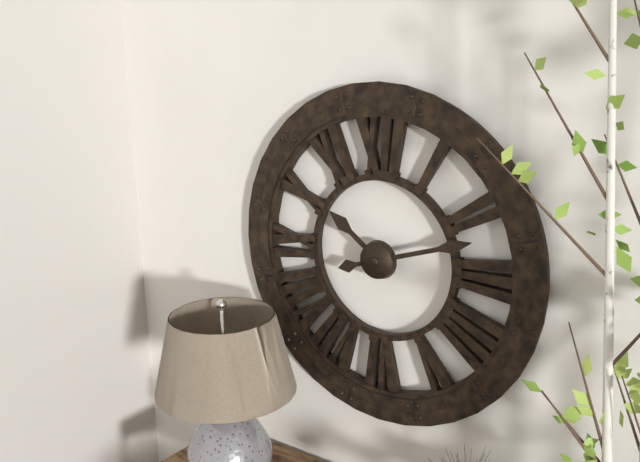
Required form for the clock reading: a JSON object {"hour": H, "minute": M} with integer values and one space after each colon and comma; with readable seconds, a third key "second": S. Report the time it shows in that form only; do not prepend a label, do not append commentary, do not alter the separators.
{"hour": 10, "minute": 12}
